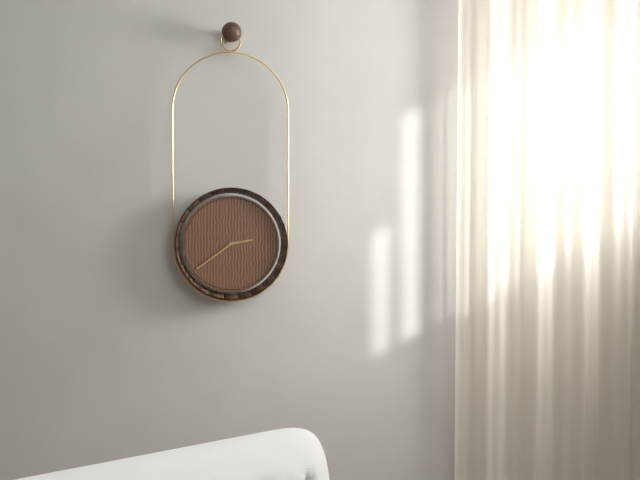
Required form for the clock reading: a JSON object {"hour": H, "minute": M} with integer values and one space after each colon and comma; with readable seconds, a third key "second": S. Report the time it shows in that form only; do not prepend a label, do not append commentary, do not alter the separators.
{"hour": 2, "minute": 39}
